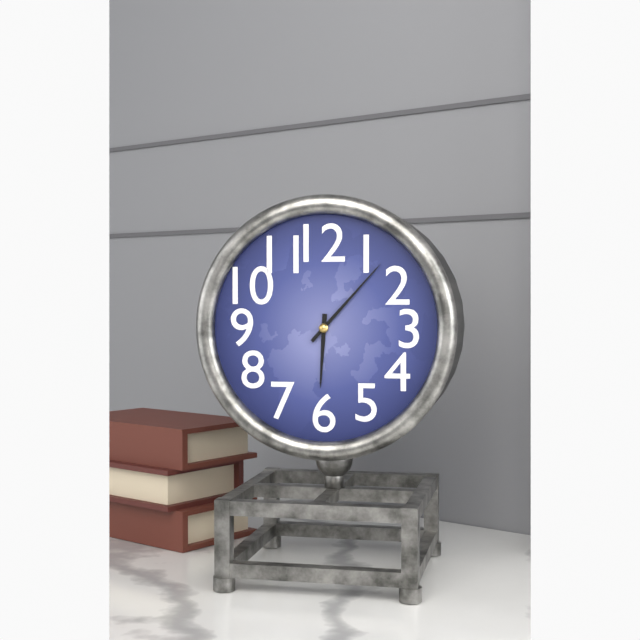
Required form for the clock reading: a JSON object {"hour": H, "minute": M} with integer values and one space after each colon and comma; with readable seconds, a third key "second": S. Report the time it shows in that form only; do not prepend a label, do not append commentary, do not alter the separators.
{"hour": 6, "minute": 7}
